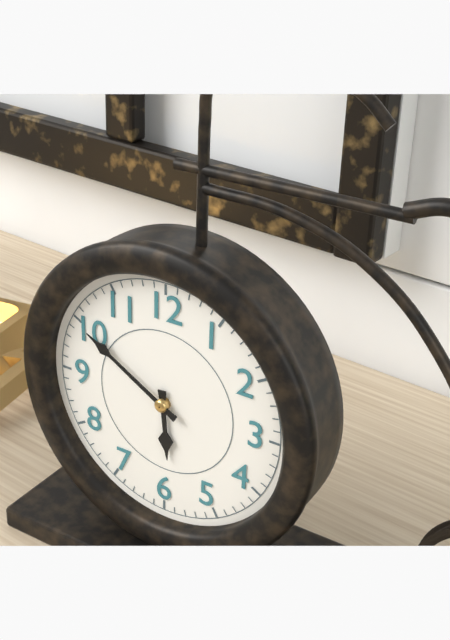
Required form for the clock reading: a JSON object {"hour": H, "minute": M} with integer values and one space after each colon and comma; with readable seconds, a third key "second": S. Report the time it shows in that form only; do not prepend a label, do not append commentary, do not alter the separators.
{"hour": 5, "minute": 50}
